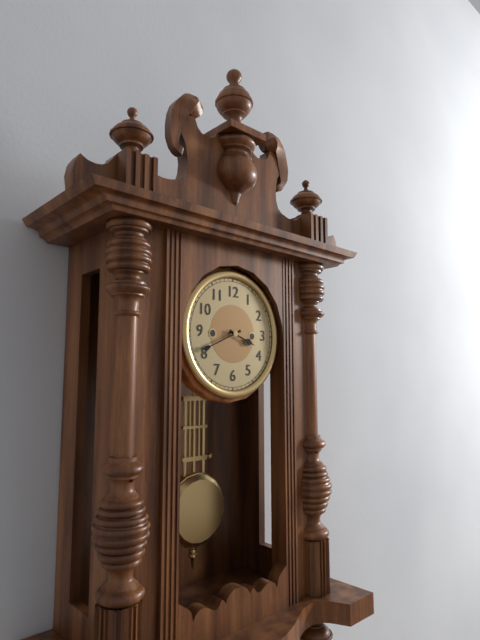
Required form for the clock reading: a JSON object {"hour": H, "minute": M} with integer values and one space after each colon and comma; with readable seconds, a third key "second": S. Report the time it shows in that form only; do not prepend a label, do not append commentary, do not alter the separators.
{"hour": 3, "minute": 41}
